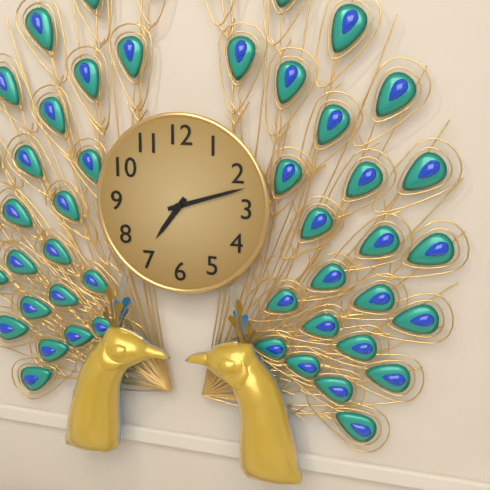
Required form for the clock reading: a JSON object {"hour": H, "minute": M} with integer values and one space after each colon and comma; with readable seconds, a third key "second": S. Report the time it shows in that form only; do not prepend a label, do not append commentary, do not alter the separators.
{"hour": 7, "minute": 12}
